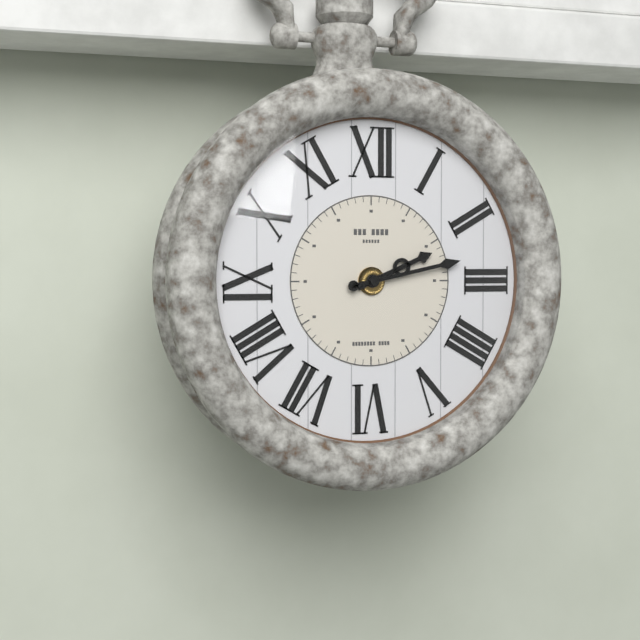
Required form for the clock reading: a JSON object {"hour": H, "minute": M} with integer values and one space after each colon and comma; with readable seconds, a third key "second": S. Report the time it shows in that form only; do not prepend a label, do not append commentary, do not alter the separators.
{"hour": 2, "minute": 13}
